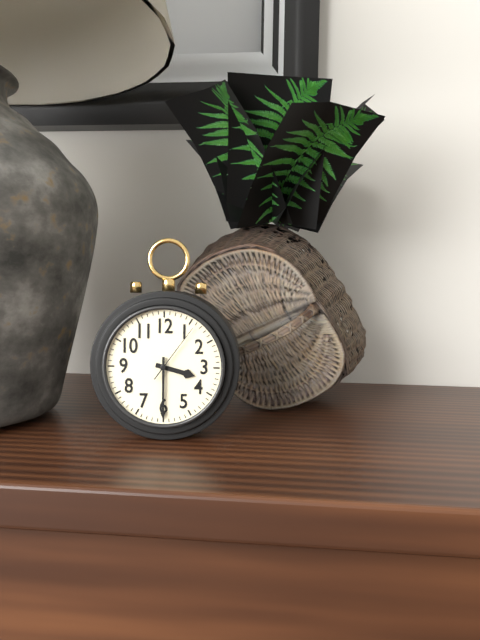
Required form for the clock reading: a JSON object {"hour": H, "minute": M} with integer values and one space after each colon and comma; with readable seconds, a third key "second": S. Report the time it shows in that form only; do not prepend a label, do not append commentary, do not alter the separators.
{"hour": 3, "minute": 30, "second": 6}
